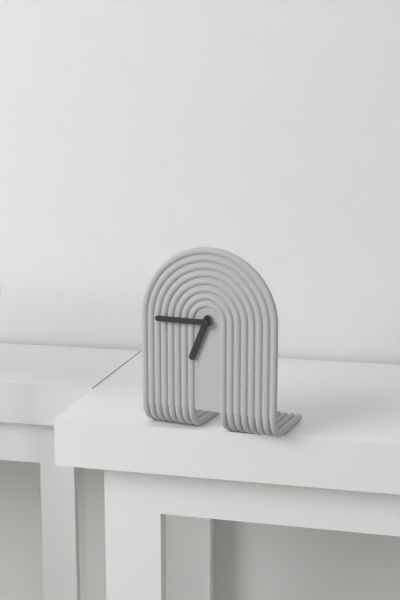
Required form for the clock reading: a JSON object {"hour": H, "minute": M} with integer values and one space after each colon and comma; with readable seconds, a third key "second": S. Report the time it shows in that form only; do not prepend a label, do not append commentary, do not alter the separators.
{"hour": 6, "minute": 45}
